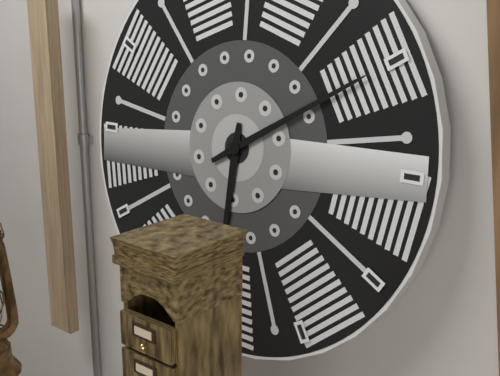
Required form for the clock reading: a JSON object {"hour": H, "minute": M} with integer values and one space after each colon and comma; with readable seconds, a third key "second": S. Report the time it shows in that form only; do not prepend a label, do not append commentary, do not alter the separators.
{"hour": 6, "minute": 10}
